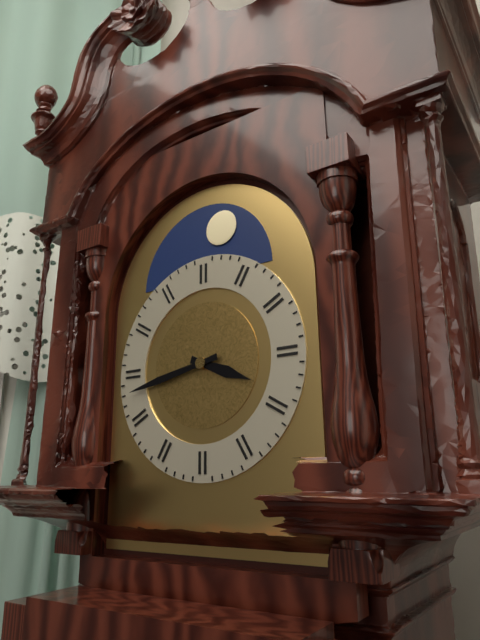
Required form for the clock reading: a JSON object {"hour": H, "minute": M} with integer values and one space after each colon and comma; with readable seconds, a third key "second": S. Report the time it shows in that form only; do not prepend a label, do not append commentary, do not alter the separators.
{"hour": 3, "minute": 43}
